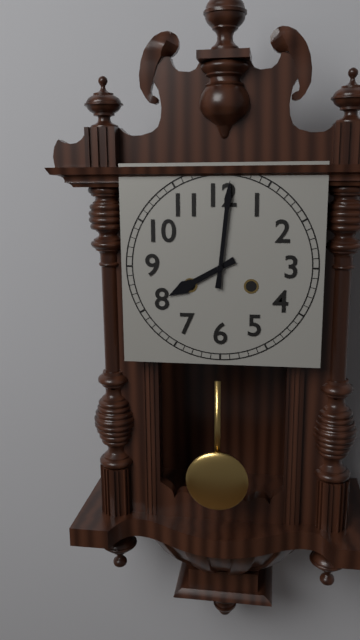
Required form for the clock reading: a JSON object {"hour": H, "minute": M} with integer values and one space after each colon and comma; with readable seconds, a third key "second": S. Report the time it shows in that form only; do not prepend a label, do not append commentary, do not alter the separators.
{"hour": 8, "minute": 1}
